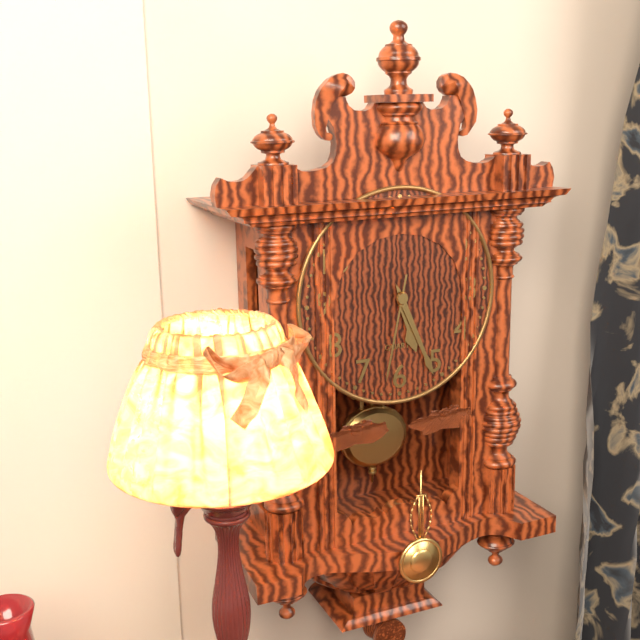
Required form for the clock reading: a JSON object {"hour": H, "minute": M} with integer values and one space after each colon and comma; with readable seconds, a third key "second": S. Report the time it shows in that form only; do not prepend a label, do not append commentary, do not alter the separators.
{"hour": 5, "minute": 26, "second": 32}
